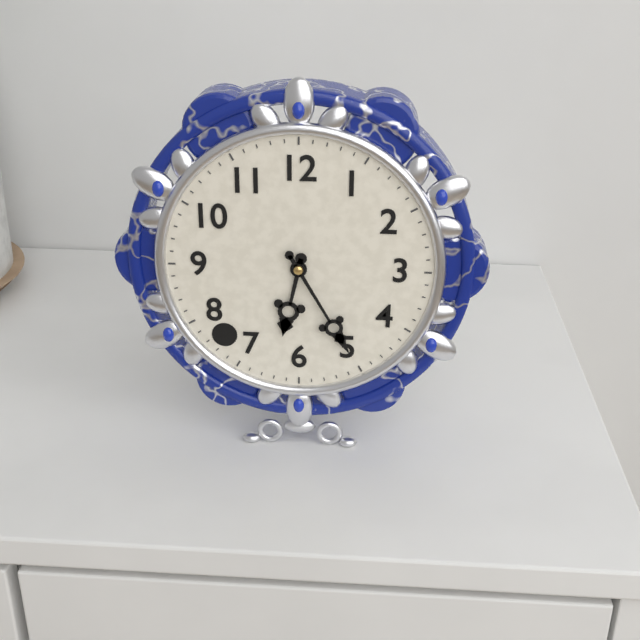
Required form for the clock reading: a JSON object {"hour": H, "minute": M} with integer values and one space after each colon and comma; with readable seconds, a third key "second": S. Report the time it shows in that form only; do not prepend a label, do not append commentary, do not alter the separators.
{"hour": 6, "minute": 25}
